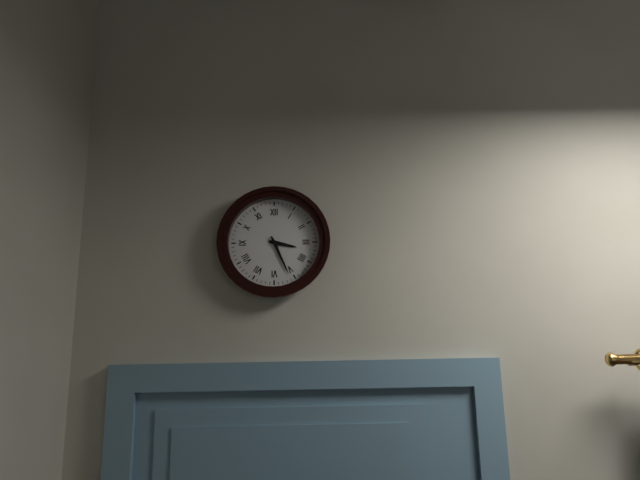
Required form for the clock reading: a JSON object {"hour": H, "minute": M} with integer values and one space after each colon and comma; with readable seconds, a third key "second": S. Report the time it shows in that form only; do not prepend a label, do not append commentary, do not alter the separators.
{"hour": 3, "minute": 26}
